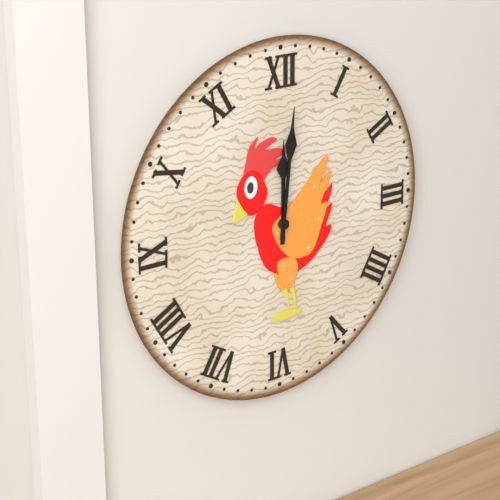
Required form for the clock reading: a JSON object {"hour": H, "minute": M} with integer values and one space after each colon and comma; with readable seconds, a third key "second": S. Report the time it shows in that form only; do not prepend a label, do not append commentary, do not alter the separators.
{"hour": 12, "minute": 1}
